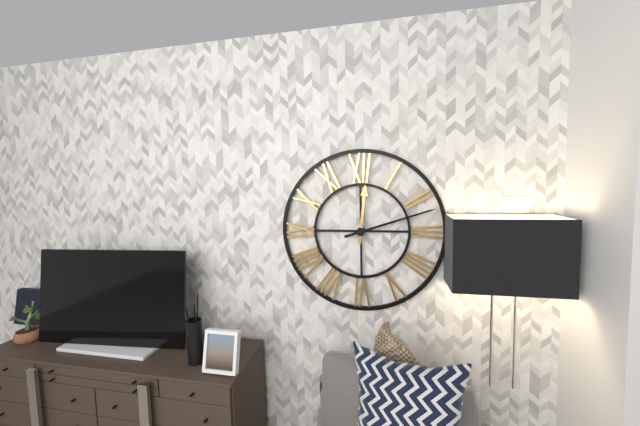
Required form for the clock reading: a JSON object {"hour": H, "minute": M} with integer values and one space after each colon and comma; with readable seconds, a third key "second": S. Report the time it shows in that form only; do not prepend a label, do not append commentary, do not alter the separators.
{"hour": 12, "minute": 12}
